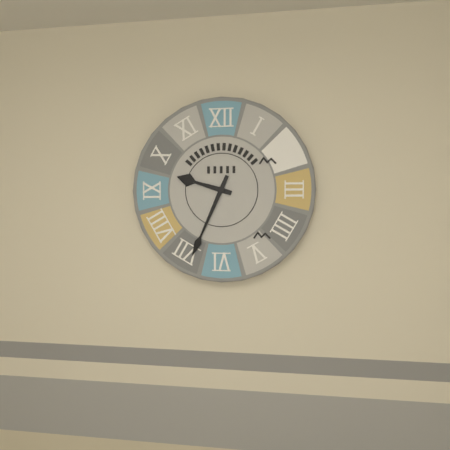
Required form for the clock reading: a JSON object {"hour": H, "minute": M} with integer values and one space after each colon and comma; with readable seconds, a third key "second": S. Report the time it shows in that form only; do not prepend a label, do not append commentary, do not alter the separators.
{"hour": 9, "minute": 34}
